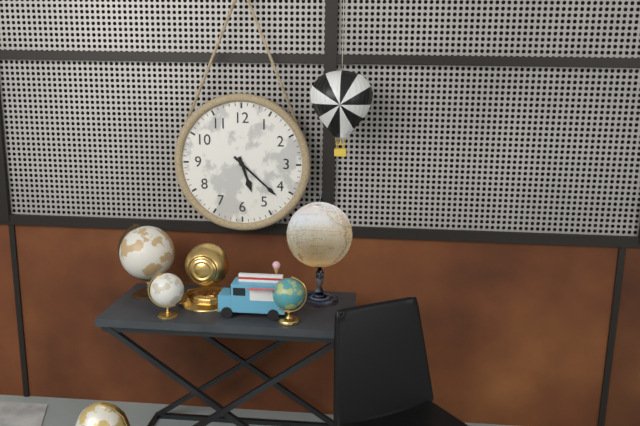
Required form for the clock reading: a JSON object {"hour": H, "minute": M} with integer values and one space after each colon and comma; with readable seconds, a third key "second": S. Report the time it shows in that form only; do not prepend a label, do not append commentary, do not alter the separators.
{"hour": 5, "minute": 22}
